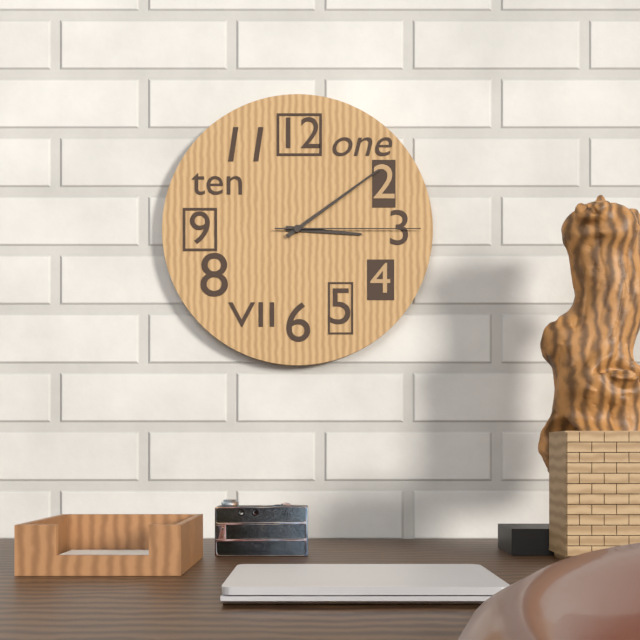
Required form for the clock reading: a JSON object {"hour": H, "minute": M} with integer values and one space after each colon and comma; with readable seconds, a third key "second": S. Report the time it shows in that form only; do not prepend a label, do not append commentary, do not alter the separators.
{"hour": 3, "minute": 9, "second": 15}
